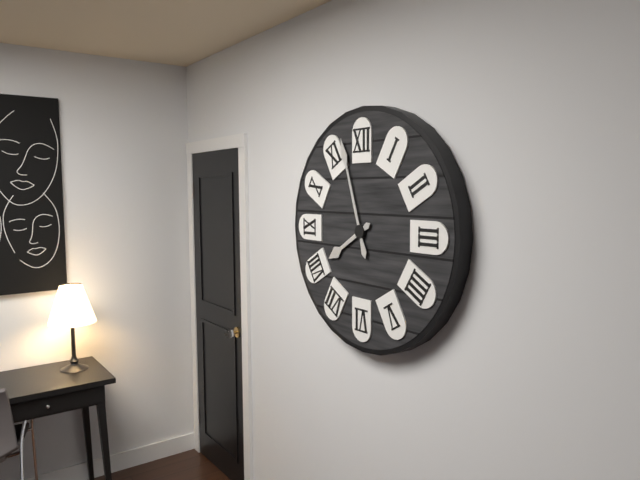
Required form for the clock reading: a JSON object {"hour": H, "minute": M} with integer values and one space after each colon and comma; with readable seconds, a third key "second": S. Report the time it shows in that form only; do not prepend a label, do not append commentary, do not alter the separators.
{"hour": 7, "minute": 57}
